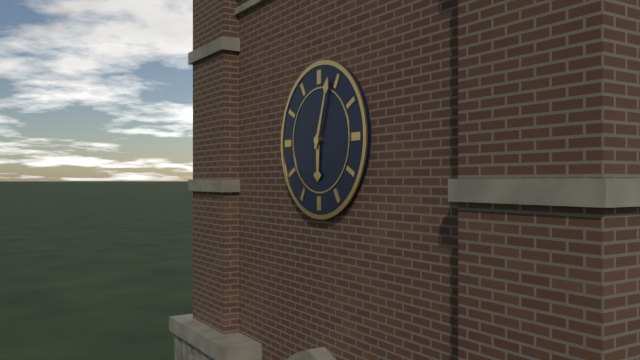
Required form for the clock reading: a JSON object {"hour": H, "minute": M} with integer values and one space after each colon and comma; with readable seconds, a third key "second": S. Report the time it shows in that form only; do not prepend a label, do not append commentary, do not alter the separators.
{"hour": 6, "minute": 3}
